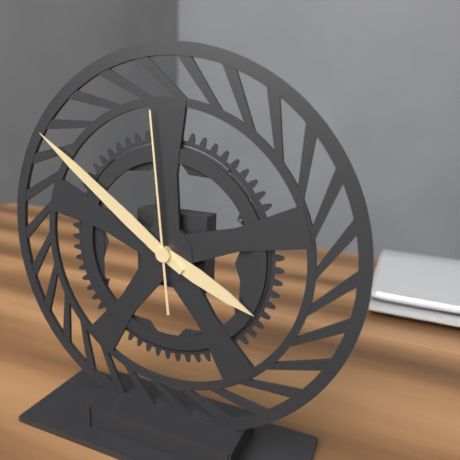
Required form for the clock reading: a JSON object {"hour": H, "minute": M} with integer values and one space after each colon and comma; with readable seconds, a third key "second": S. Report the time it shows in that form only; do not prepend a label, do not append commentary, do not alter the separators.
{"hour": 3, "minute": 51, "second": 59}
